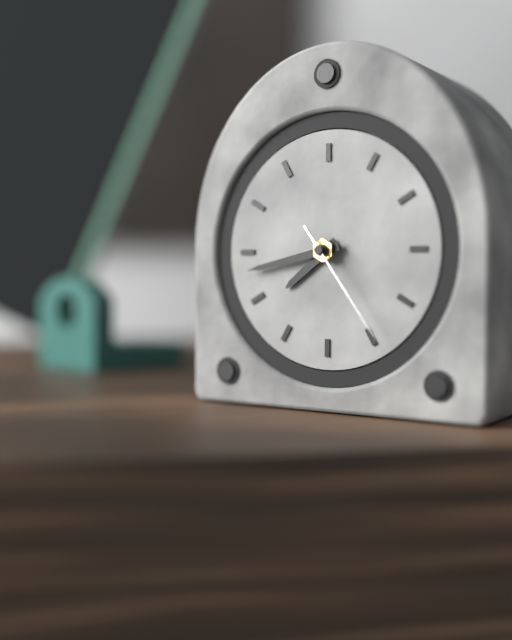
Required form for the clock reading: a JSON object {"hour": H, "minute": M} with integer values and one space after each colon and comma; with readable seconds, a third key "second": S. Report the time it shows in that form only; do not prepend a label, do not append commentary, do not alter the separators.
{"hour": 7, "minute": 43, "second": 24}
